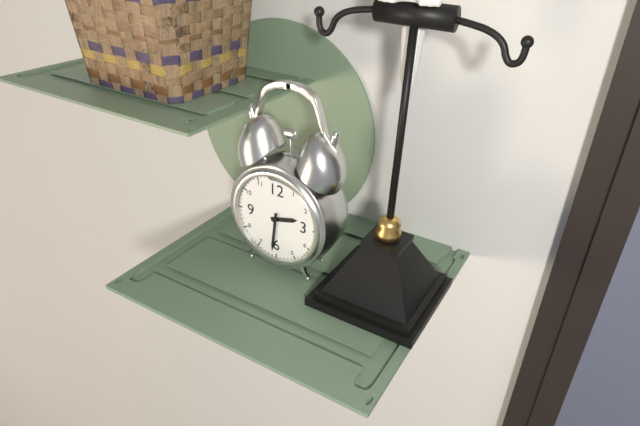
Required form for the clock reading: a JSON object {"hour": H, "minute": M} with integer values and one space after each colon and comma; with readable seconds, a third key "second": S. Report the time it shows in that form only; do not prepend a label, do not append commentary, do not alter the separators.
{"hour": 2, "minute": 31}
